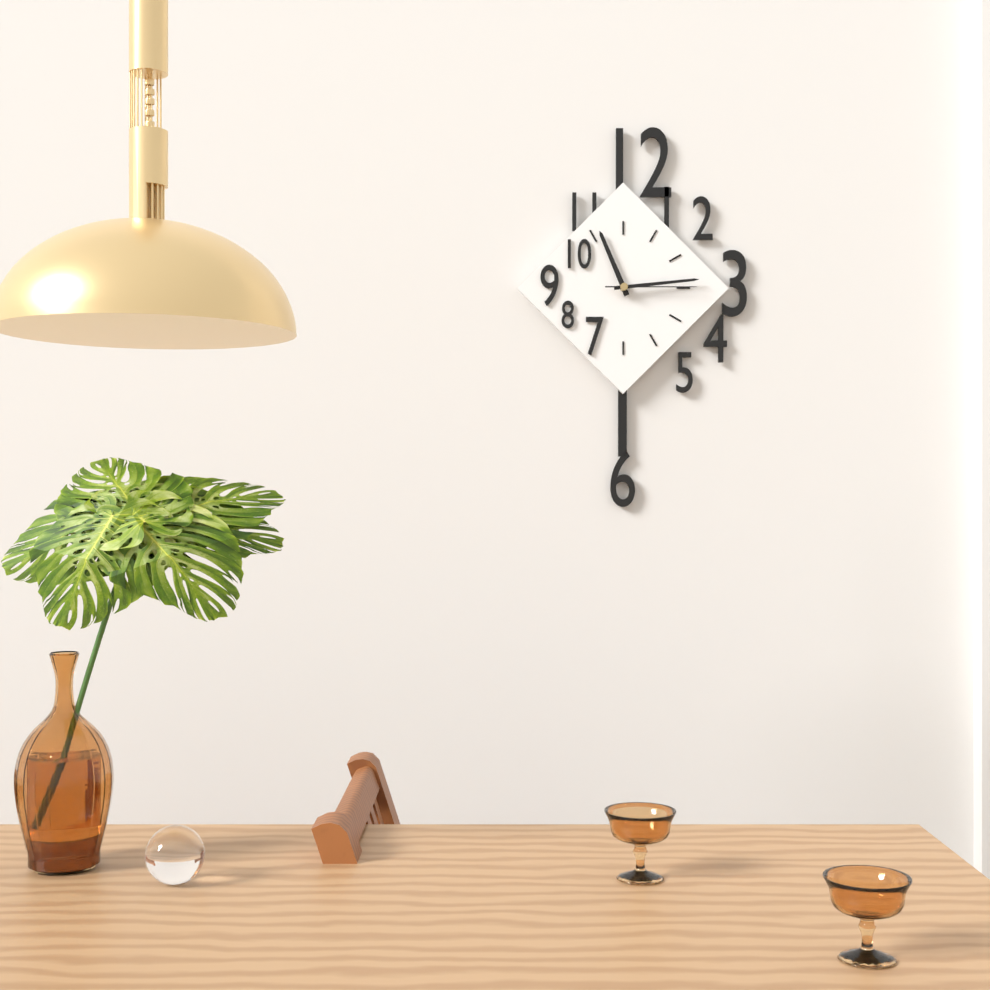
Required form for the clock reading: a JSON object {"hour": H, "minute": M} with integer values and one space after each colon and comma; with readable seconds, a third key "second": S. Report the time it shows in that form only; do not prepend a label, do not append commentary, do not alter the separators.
{"hour": 11, "minute": 14, "second": 15}
